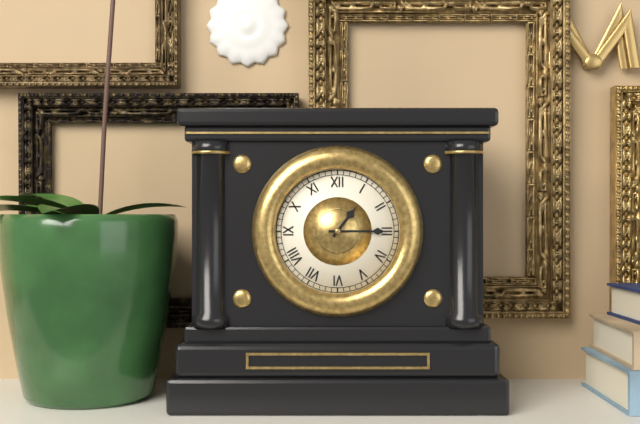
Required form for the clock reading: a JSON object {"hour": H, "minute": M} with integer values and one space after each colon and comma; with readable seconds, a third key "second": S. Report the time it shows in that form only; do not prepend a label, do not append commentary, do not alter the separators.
{"hour": 1, "minute": 15}
